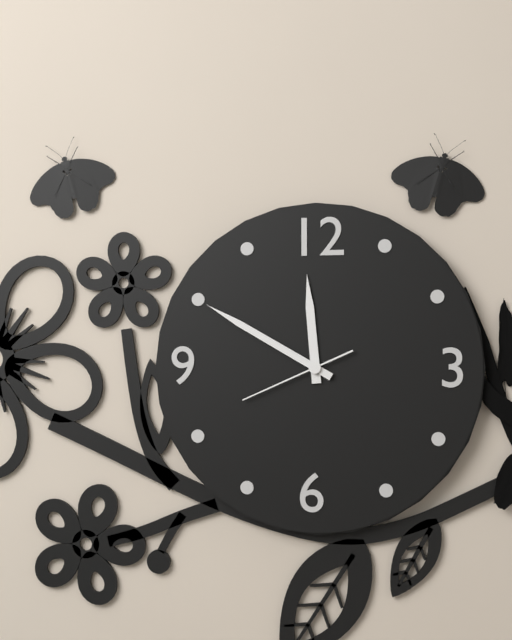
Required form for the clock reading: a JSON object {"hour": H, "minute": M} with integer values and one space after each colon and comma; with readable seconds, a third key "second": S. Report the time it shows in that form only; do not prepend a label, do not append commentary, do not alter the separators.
{"hour": 11, "minute": 50, "second": 41}
